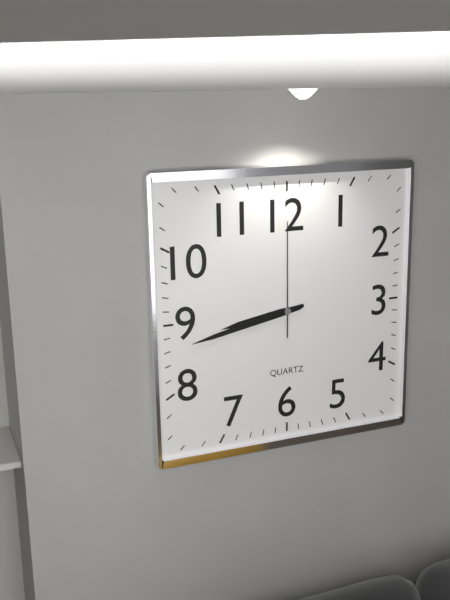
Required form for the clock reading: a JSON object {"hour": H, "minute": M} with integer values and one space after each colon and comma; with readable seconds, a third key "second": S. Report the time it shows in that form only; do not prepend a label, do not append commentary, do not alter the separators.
{"hour": 8, "minute": 43, "second": 0}
